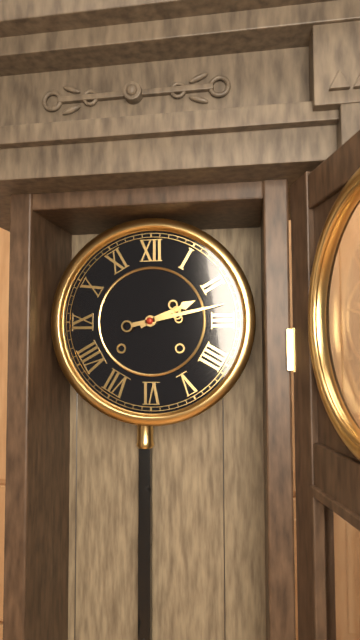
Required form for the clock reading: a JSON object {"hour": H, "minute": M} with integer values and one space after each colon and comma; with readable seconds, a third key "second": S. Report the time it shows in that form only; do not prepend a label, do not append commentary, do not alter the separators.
{"hour": 2, "minute": 13}
